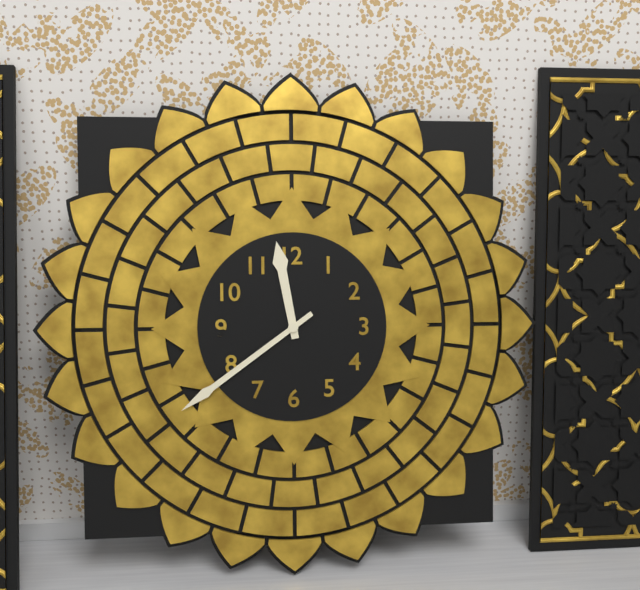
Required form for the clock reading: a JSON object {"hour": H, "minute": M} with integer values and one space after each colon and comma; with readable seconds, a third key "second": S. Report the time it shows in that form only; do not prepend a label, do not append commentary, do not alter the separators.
{"hour": 11, "minute": 39}
